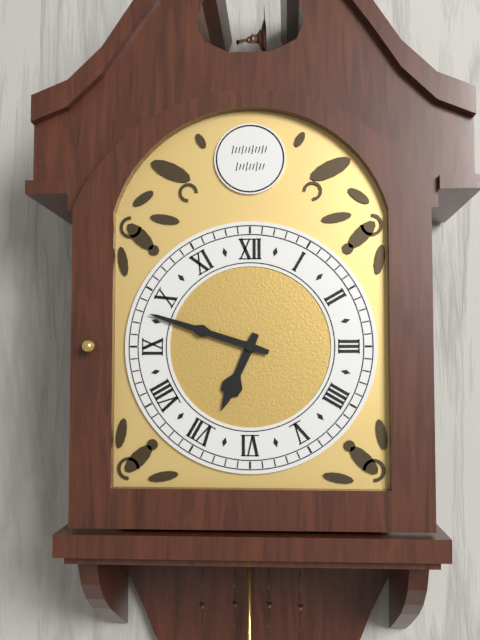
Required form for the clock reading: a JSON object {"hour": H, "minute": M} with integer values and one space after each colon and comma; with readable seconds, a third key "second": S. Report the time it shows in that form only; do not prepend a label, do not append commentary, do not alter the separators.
{"hour": 6, "minute": 48}
